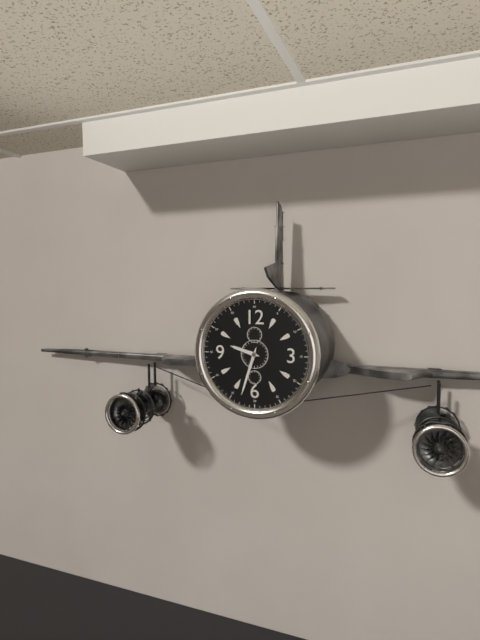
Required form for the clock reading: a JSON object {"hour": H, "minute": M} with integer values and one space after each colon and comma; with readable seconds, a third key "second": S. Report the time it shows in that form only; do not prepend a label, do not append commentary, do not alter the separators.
{"hour": 9, "minute": 33}
